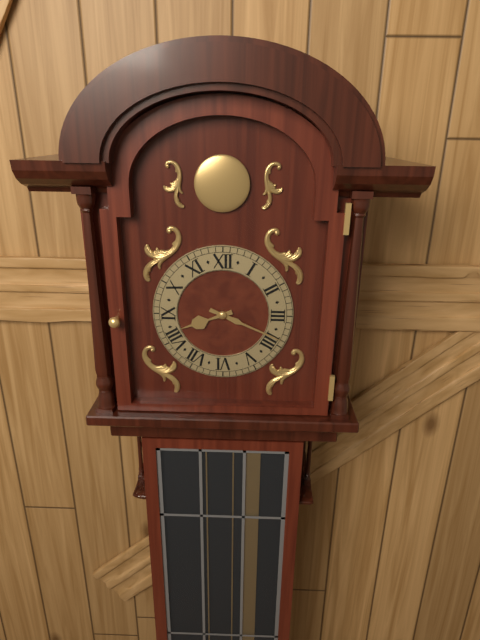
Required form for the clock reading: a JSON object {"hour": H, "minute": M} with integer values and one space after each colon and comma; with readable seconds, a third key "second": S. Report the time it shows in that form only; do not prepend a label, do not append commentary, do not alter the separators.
{"hour": 8, "minute": 19}
